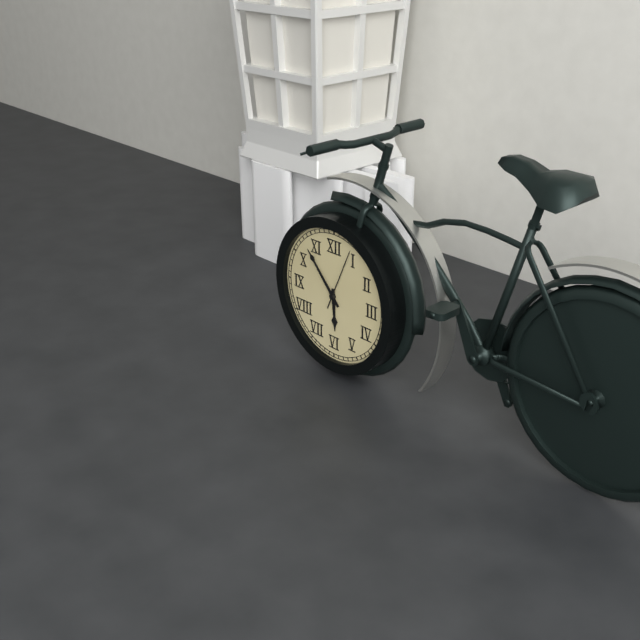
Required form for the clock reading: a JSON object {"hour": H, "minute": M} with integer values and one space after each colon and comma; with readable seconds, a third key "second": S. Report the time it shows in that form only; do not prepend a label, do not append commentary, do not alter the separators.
{"hour": 5, "minute": 53, "second": 4}
